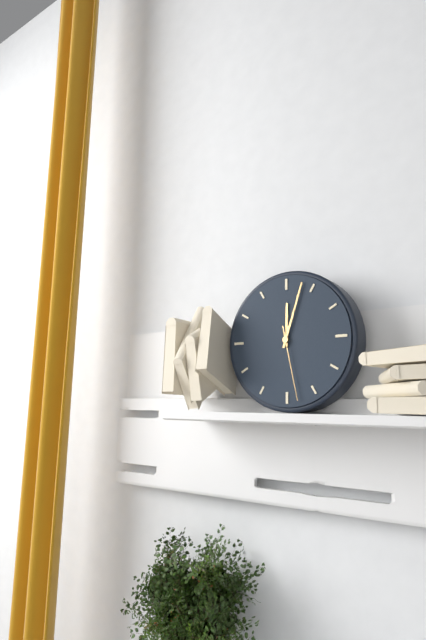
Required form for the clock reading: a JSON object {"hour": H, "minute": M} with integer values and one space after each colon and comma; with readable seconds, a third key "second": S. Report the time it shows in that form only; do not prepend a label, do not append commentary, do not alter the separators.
{"hour": 12, "minute": 3, "second": 28}
